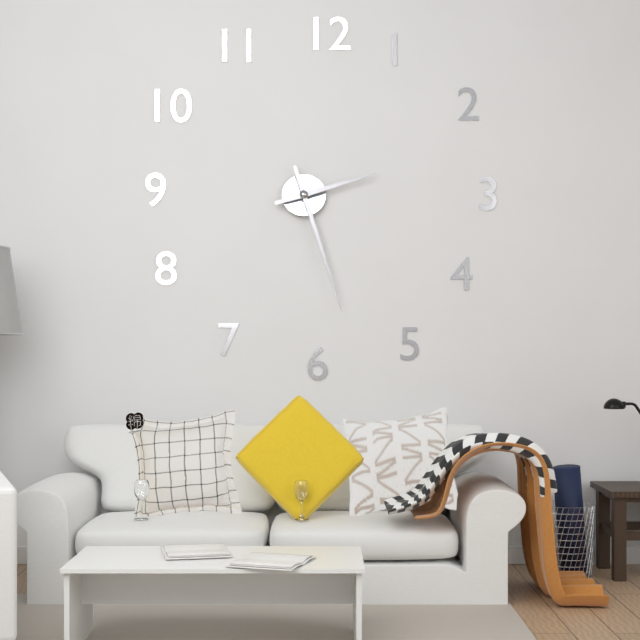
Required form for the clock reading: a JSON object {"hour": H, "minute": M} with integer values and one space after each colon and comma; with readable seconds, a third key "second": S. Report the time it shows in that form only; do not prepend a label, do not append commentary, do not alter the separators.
{"hour": 2, "minute": 27}
